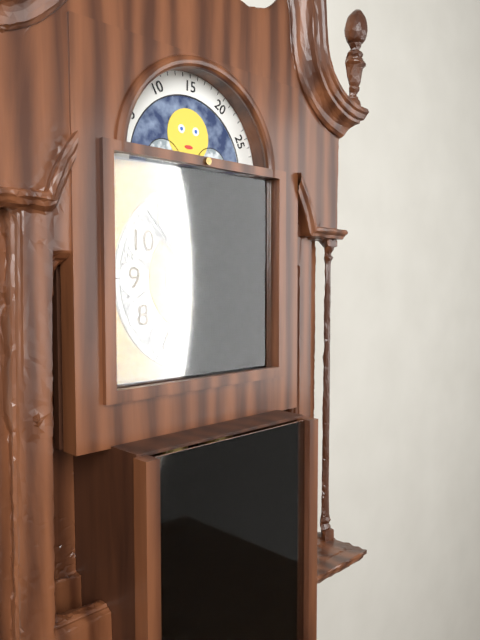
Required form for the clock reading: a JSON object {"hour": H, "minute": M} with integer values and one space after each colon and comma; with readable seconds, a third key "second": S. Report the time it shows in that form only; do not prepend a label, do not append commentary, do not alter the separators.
{"hour": 1, "minute": 53}
